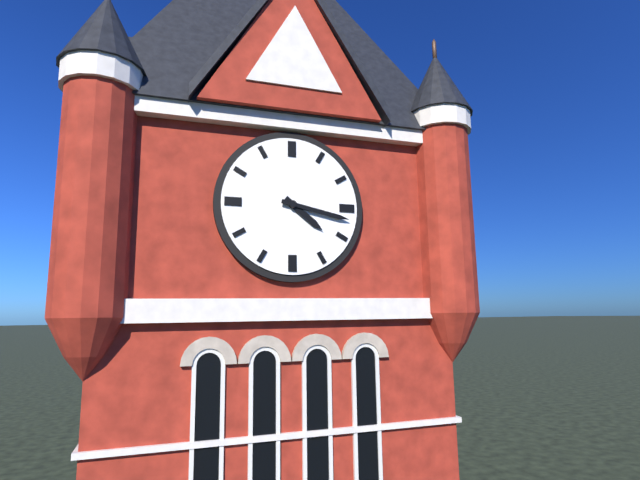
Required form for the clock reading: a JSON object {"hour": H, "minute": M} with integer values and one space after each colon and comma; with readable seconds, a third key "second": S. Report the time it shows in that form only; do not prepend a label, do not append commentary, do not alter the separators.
{"hour": 4, "minute": 17}
